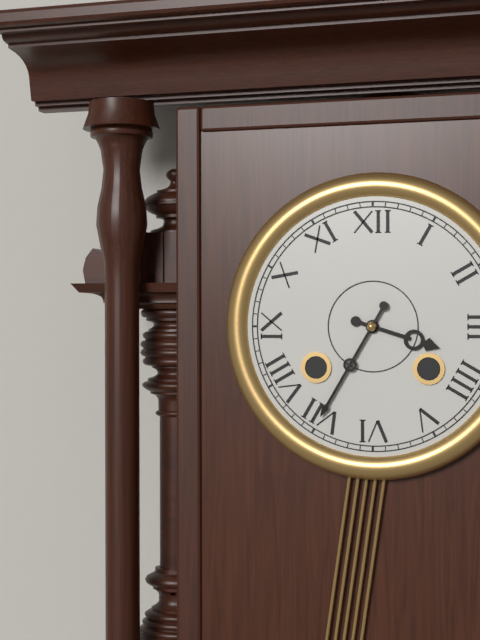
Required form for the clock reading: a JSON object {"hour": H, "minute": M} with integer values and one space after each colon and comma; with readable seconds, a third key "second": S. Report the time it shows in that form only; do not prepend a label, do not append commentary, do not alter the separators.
{"hour": 3, "minute": 35}
